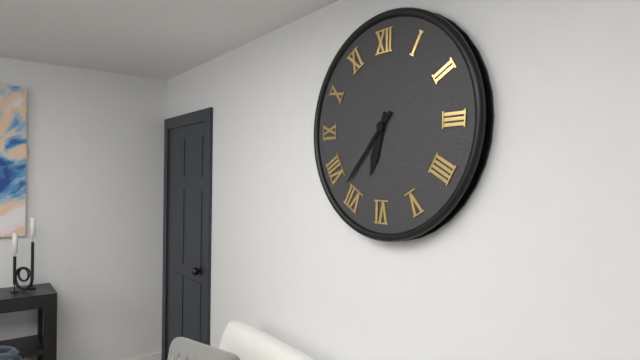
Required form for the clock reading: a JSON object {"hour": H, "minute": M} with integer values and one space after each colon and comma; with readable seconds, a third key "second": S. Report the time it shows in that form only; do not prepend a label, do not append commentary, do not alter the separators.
{"hour": 6, "minute": 37}
